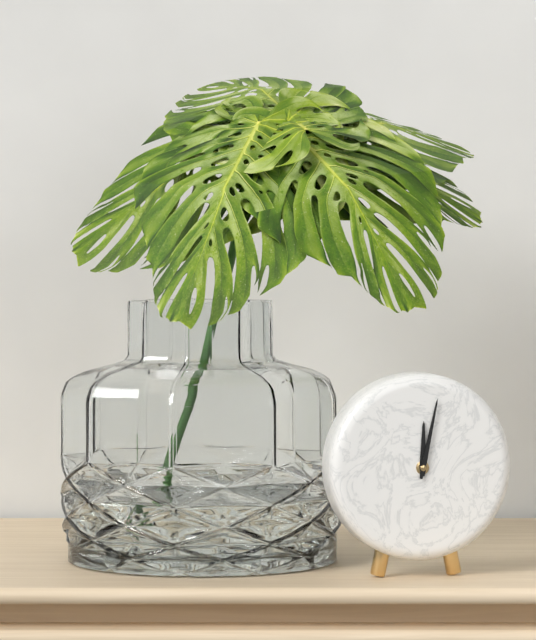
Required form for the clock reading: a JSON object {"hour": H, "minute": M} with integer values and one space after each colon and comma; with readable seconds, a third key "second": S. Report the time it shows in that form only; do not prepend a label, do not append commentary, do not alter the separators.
{"hour": 12, "minute": 2}
